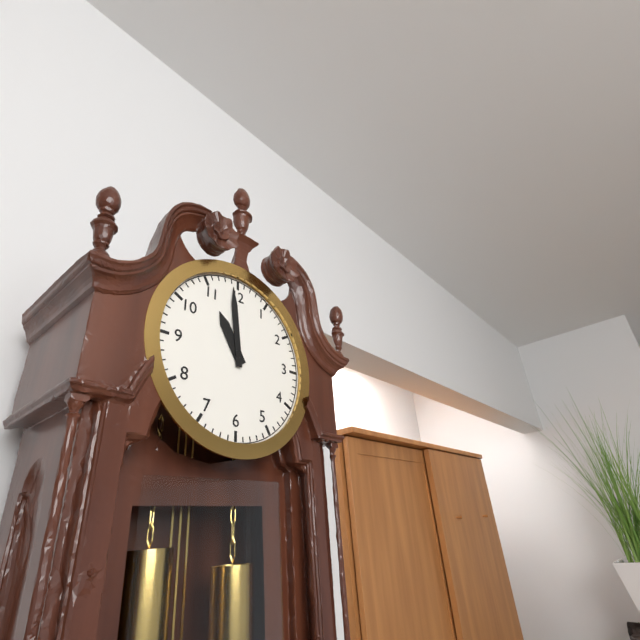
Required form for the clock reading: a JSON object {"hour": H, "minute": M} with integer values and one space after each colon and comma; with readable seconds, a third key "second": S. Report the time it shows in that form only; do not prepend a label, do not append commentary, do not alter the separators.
{"hour": 10, "minute": 59}
